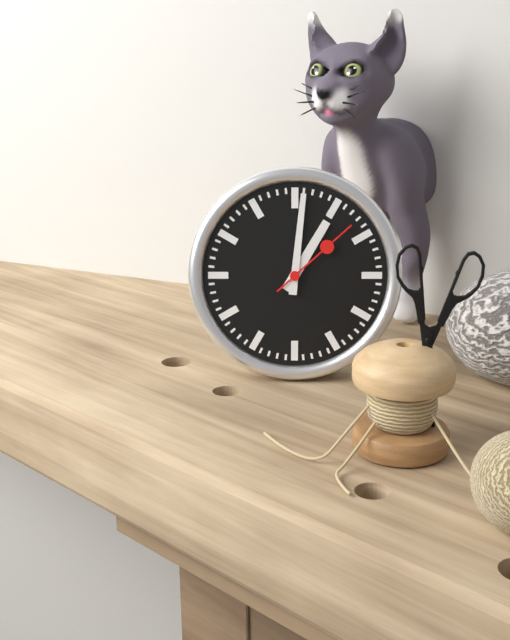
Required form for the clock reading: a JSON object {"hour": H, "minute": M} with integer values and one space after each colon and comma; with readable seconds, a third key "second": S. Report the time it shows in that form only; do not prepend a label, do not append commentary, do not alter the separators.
{"hour": 1, "minute": 1, "second": 8}
